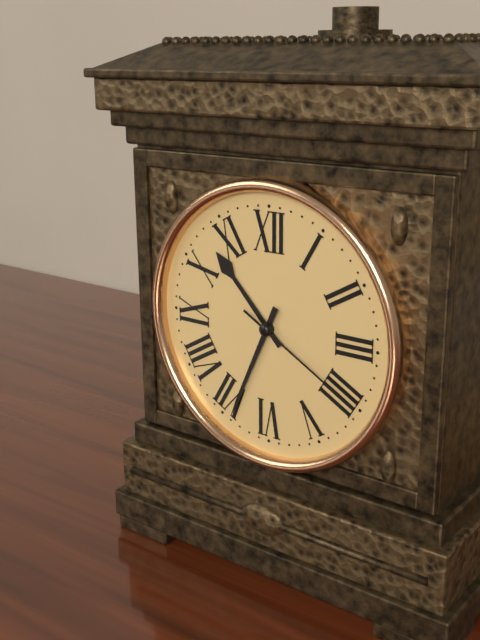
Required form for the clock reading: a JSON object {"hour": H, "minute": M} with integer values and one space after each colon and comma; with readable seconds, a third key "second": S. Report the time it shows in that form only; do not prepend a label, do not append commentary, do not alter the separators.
{"hour": 10, "minute": 34, "second": 20}
